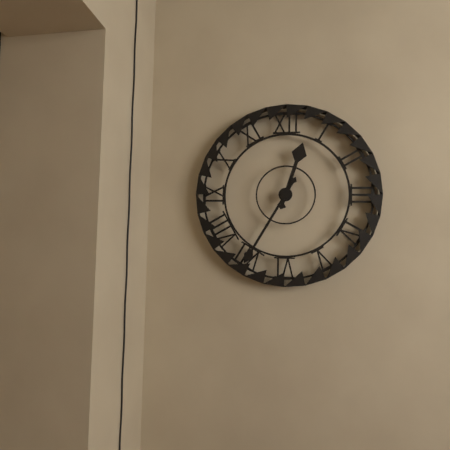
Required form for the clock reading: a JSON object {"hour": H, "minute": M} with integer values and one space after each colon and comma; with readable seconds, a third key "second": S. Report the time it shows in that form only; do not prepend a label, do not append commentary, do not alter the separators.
{"hour": 12, "minute": 35}
